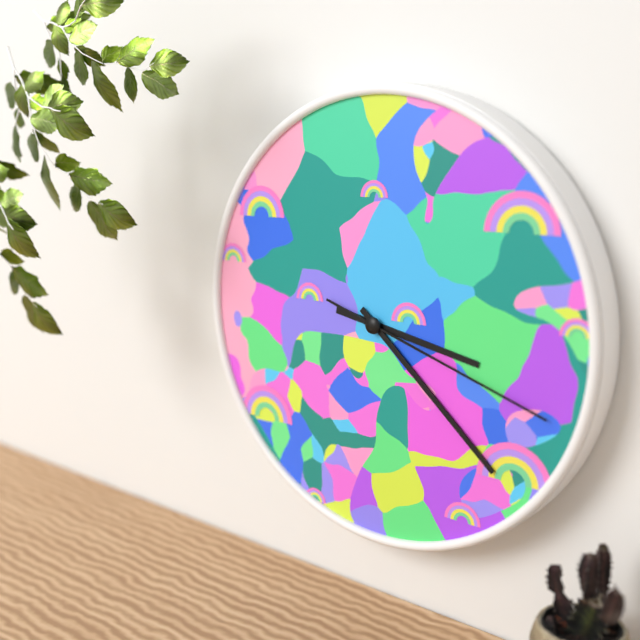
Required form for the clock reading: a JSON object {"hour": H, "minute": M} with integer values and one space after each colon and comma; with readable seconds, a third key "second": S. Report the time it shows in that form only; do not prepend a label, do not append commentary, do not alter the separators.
{"hour": 3, "minute": 22, "second": 18}
